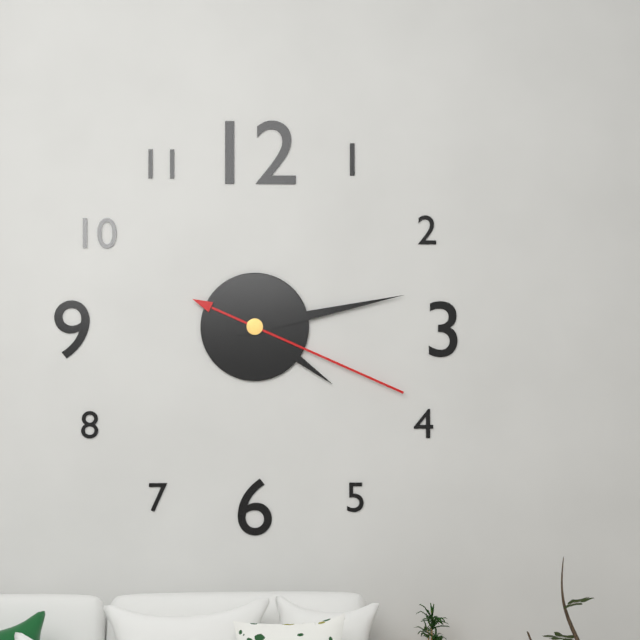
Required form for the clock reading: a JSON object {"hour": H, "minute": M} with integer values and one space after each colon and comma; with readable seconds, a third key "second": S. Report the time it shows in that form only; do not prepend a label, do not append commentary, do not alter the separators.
{"hour": 4, "minute": 13, "second": 19}
